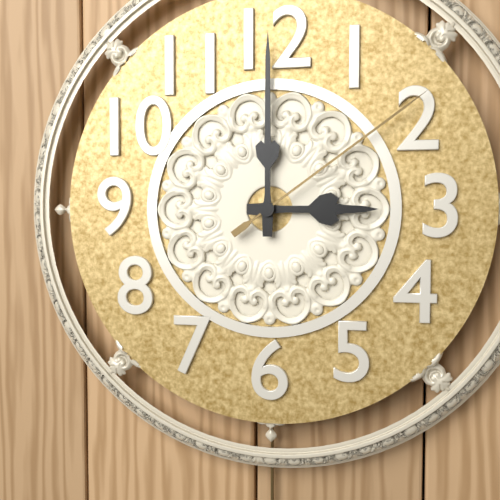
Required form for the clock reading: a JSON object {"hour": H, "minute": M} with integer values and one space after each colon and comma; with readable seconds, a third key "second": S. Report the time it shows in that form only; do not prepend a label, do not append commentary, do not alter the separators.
{"hour": 3, "minute": 0, "second": 9}
